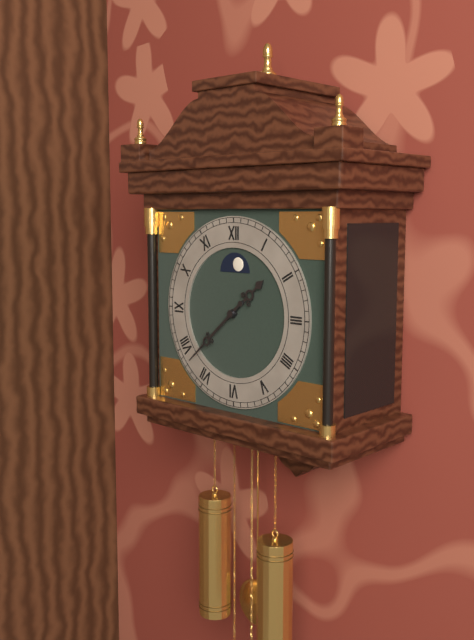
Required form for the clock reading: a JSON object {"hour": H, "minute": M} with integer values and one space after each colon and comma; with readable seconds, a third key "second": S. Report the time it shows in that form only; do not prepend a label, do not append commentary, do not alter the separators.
{"hour": 1, "minute": 38}
